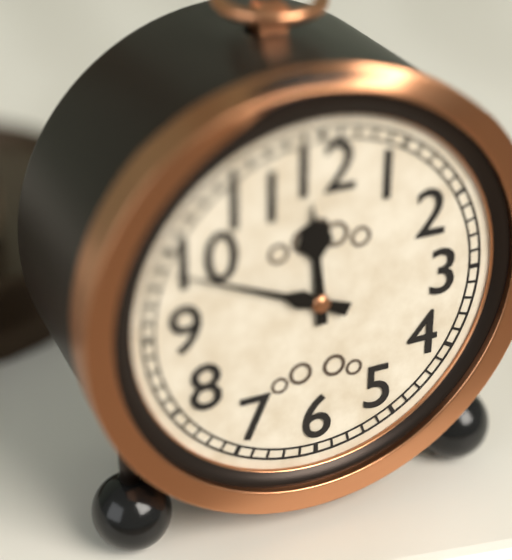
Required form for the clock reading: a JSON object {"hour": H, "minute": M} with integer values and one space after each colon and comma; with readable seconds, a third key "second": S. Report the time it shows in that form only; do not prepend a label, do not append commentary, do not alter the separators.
{"hour": 11, "minute": 49}
